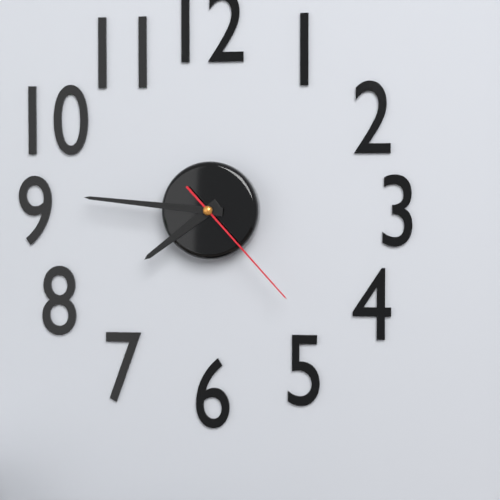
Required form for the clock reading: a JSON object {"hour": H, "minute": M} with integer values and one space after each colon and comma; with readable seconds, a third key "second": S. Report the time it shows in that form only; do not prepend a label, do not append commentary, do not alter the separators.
{"hour": 7, "minute": 46, "second": 23}
